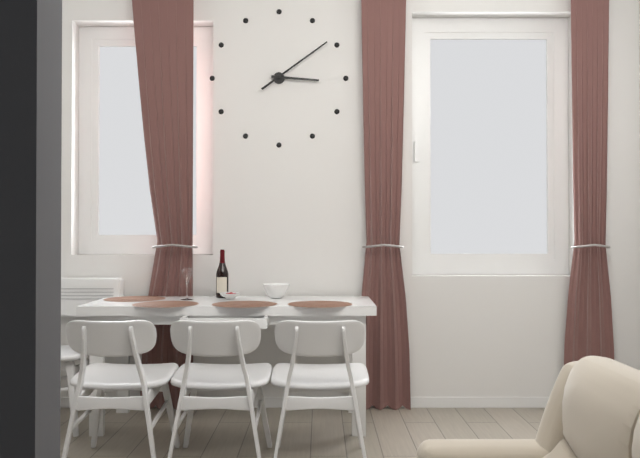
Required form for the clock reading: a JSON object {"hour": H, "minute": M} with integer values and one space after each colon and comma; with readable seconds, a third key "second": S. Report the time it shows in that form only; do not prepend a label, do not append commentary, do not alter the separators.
{"hour": 3, "minute": 9}
